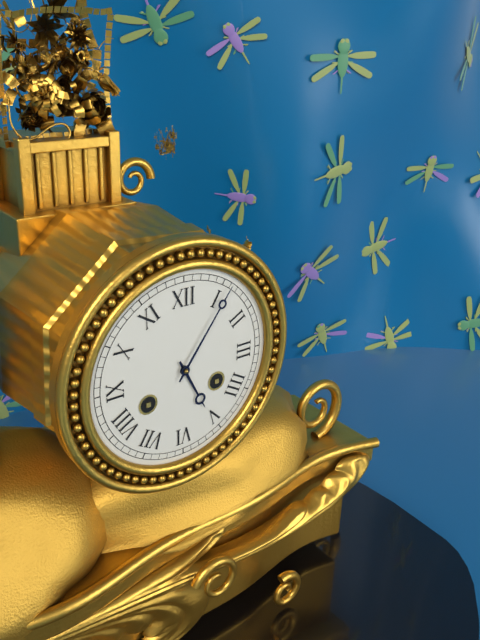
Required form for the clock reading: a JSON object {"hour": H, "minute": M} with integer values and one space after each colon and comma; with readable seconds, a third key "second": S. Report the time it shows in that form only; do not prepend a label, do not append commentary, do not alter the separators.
{"hour": 5, "minute": 6}
